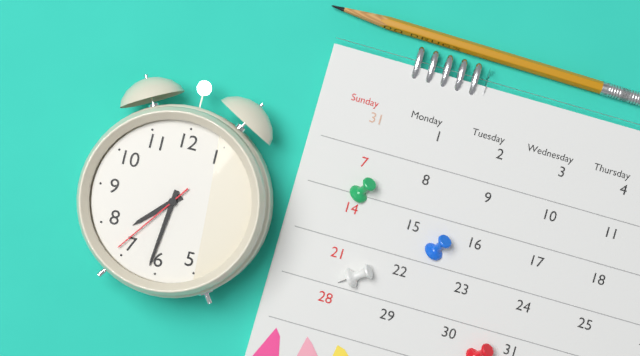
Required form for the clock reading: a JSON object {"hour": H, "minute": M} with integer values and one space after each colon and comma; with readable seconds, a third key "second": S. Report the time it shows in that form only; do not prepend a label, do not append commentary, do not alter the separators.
{"hour": 7, "minute": 31, "second": 36}
